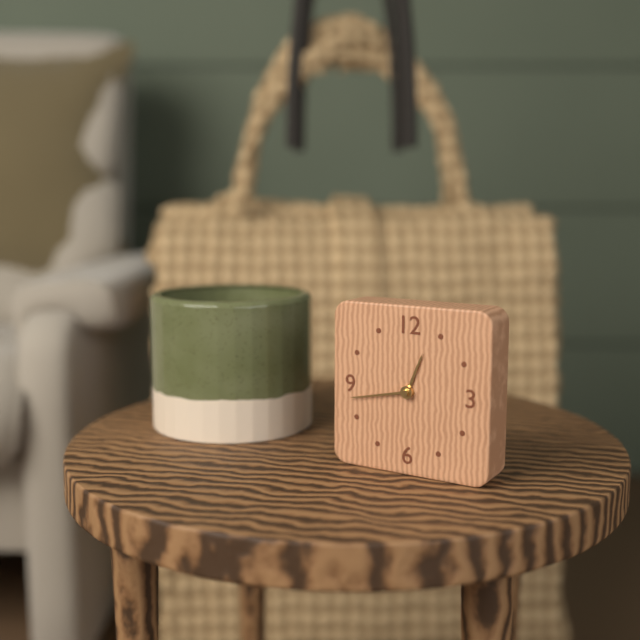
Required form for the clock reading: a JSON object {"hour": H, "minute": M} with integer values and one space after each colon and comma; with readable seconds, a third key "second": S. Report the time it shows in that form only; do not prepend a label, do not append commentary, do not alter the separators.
{"hour": 12, "minute": 43}
